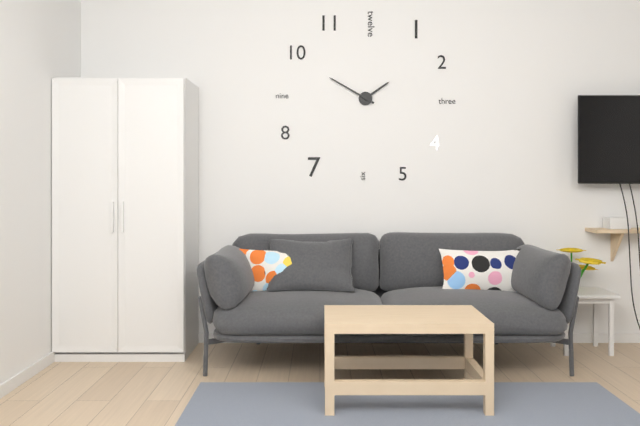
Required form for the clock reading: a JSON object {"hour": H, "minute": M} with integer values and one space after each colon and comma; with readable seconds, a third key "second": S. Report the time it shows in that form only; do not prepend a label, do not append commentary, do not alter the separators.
{"hour": 1, "minute": 50}
